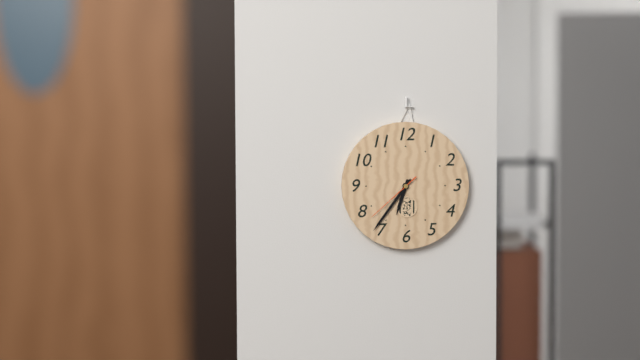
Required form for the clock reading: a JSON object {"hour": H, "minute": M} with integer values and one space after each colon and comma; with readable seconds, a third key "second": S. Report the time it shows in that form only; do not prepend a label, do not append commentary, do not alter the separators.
{"hour": 6, "minute": 36, "second": 38}
